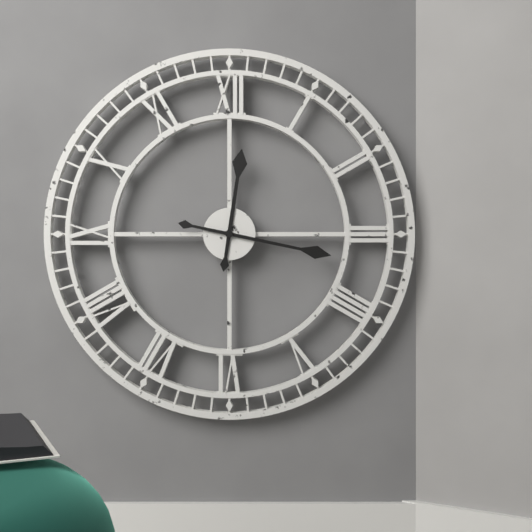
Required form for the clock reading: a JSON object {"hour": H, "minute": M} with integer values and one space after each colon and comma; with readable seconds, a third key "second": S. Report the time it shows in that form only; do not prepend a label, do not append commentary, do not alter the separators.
{"hour": 12, "minute": 17}
